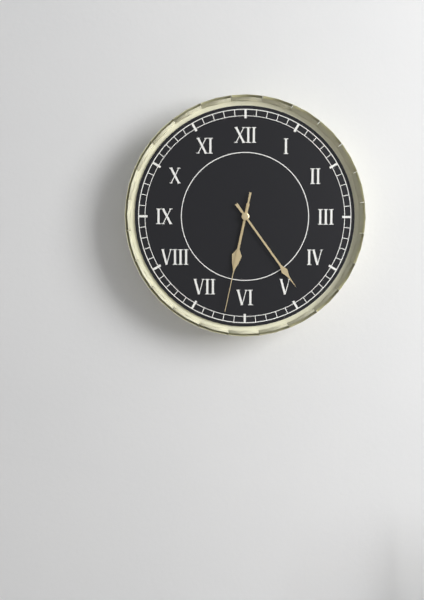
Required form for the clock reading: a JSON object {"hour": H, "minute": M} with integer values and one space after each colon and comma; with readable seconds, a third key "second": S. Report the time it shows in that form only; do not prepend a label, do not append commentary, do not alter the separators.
{"hour": 6, "minute": 24, "second": 32}
